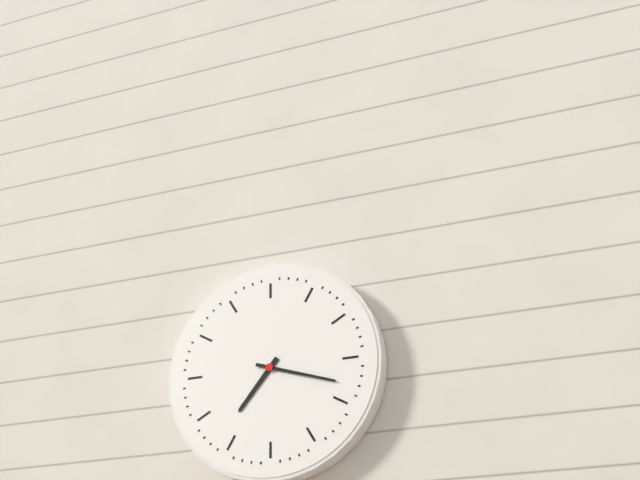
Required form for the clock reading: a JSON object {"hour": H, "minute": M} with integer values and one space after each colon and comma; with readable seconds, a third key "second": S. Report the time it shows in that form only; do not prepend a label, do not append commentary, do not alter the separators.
{"hour": 7, "minute": 18}
